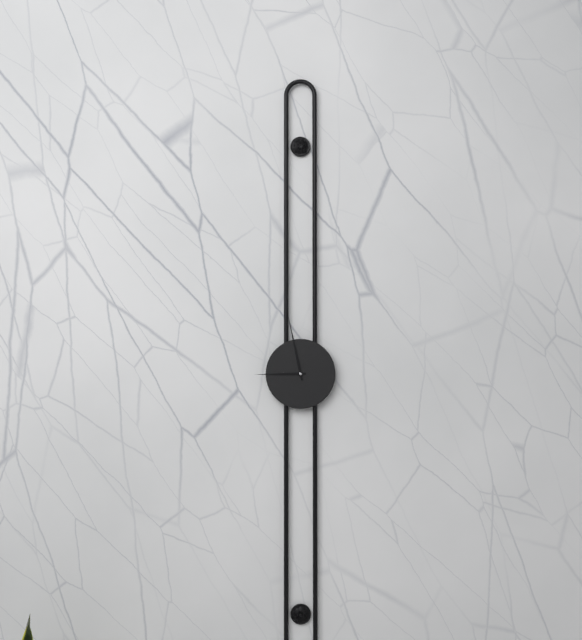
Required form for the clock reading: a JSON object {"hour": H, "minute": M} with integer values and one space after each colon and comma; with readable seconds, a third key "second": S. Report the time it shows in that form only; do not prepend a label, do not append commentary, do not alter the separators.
{"hour": 8, "minute": 58}
